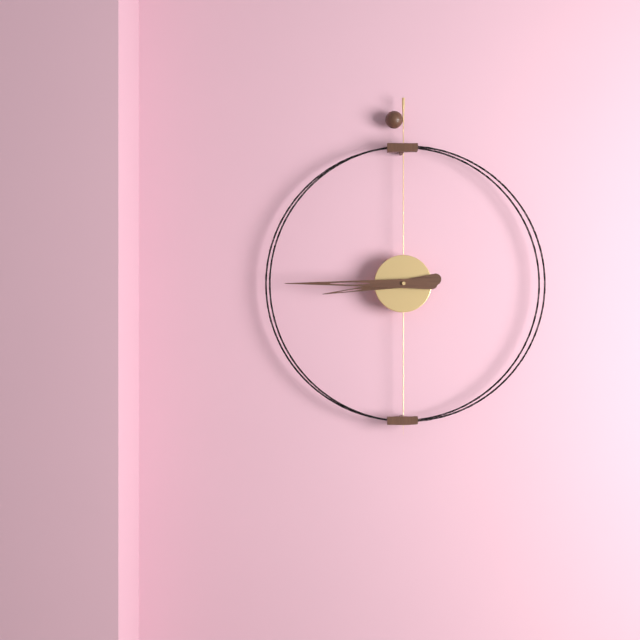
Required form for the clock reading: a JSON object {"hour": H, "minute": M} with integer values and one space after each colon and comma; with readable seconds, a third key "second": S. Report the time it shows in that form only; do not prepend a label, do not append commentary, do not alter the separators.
{"hour": 8, "minute": 45}
